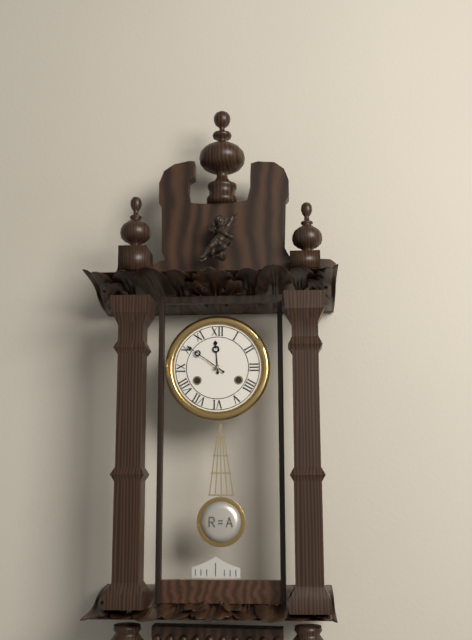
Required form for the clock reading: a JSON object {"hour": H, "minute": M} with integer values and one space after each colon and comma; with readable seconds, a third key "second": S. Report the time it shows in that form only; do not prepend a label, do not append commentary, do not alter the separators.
{"hour": 11, "minute": 51}
